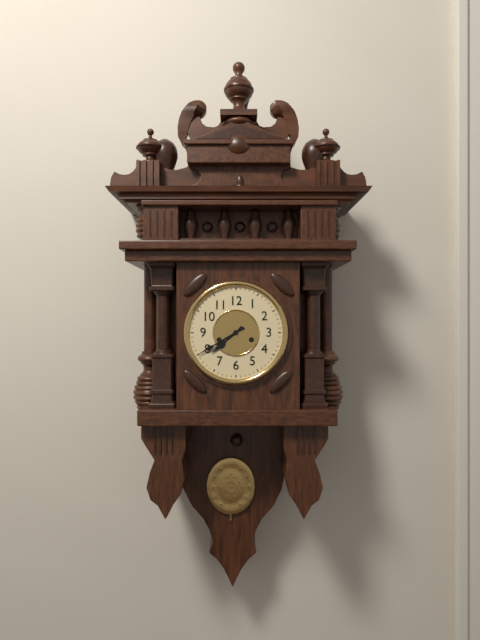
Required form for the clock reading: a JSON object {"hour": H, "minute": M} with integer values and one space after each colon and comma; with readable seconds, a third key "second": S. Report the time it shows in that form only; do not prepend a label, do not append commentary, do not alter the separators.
{"hour": 7, "minute": 40}
